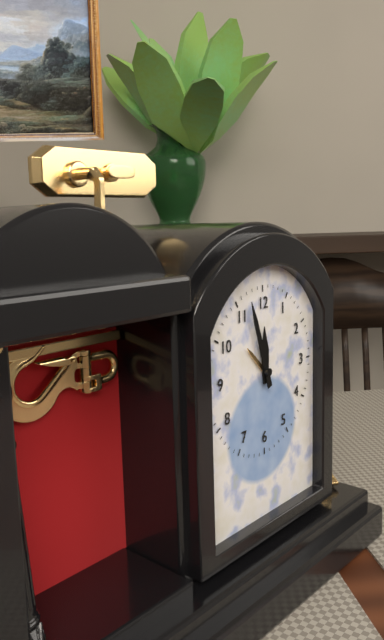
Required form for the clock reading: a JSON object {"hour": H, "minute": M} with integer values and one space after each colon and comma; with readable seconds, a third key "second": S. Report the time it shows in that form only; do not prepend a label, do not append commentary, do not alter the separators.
{"hour": 11, "minute": 57}
